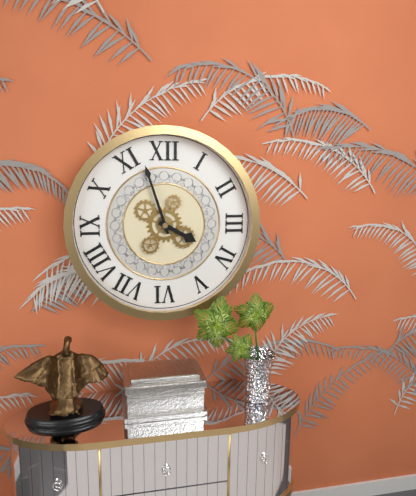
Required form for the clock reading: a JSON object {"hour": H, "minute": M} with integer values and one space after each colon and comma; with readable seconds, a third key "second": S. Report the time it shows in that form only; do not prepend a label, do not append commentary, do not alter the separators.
{"hour": 3, "minute": 57}
